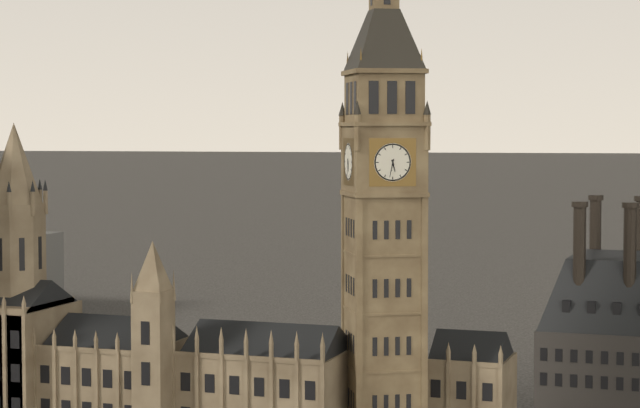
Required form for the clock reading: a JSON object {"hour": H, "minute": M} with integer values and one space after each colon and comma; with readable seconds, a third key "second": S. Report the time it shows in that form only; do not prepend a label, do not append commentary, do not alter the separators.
{"hour": 5, "minute": 32}
